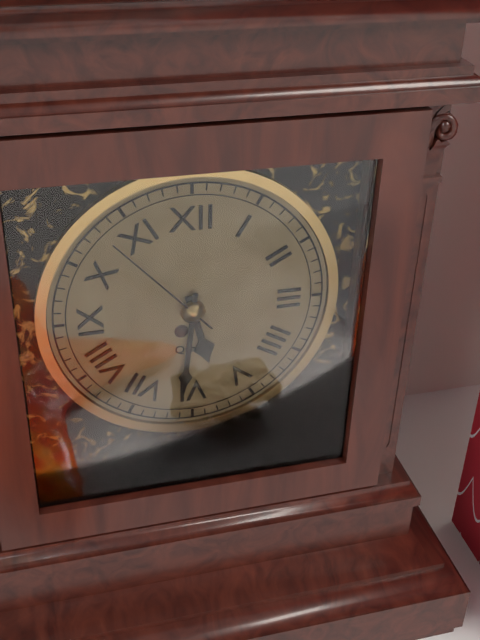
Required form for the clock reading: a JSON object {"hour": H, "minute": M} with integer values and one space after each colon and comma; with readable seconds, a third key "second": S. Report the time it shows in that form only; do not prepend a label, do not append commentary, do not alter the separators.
{"hour": 5, "minute": 31, "second": 53}
